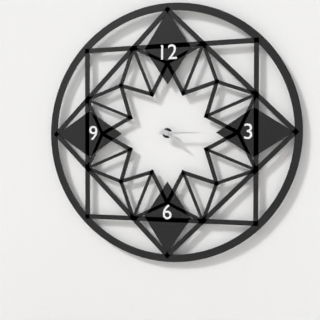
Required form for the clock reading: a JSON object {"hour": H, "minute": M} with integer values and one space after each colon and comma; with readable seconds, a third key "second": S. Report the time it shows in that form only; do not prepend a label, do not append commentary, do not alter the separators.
{"hour": 4, "minute": 15}
